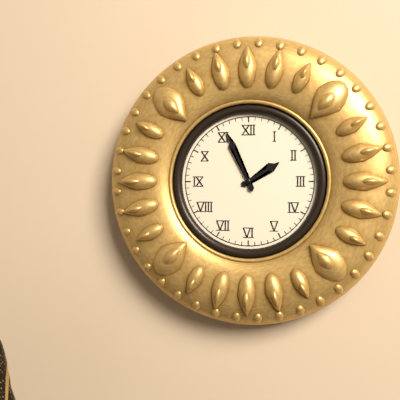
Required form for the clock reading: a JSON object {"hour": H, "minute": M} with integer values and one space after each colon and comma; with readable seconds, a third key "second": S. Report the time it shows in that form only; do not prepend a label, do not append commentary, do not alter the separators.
{"hour": 1, "minute": 56}
